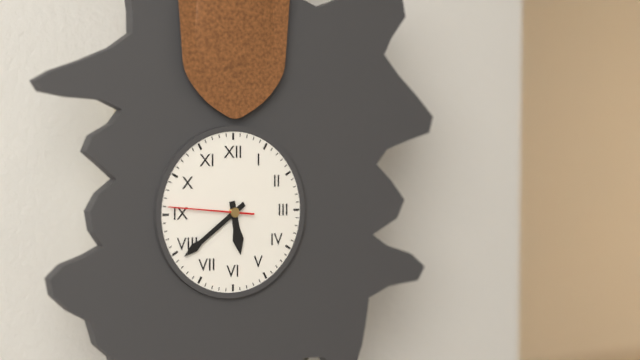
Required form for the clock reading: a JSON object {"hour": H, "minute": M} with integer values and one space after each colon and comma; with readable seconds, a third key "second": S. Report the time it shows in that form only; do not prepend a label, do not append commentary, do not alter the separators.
{"hour": 5, "minute": 39, "second": 46}
